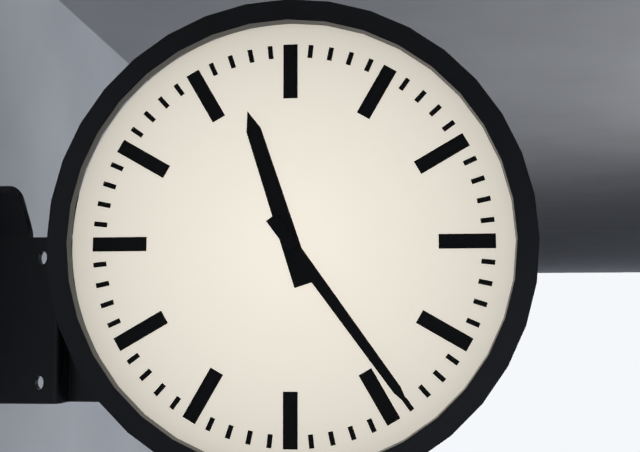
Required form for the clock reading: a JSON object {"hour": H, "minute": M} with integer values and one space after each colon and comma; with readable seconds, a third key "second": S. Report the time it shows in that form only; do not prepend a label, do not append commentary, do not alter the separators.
{"hour": 11, "minute": 24}
